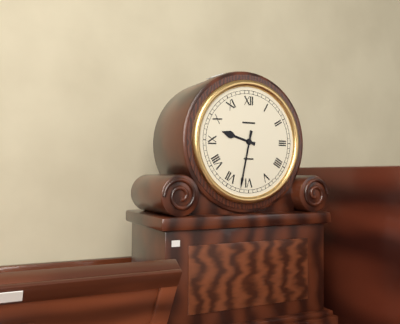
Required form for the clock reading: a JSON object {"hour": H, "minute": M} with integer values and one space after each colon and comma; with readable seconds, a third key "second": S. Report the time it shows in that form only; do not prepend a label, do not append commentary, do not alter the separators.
{"hour": 9, "minute": 32}
